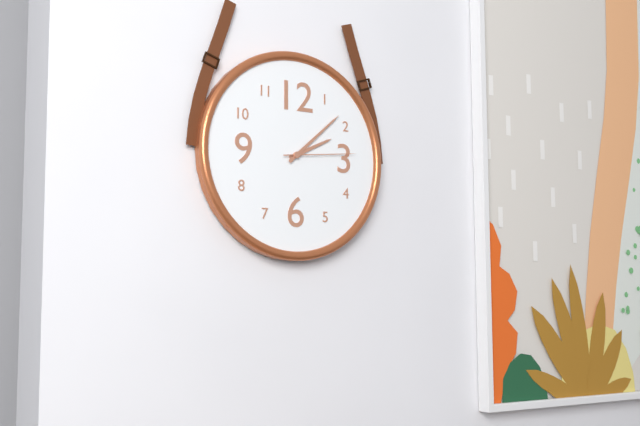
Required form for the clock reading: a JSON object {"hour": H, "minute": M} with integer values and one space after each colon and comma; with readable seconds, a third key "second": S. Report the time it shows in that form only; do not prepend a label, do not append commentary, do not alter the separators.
{"hour": 2, "minute": 8, "second": 14}
